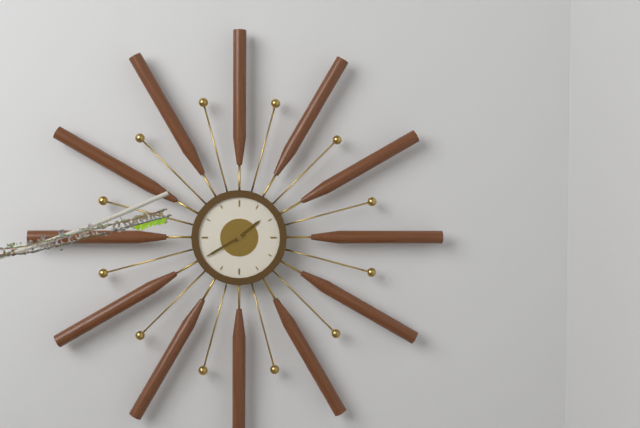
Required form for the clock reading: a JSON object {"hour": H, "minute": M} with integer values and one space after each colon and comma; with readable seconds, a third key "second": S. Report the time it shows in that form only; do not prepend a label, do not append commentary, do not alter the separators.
{"hour": 1, "minute": 40}
